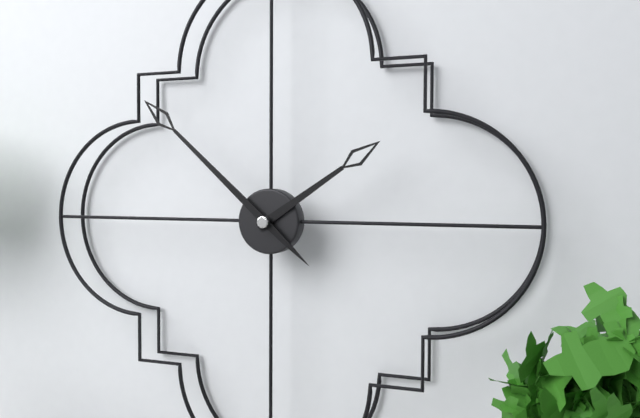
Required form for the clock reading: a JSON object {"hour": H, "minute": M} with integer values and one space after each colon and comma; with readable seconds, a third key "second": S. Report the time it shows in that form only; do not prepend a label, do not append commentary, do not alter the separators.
{"hour": 1, "minute": 52}
